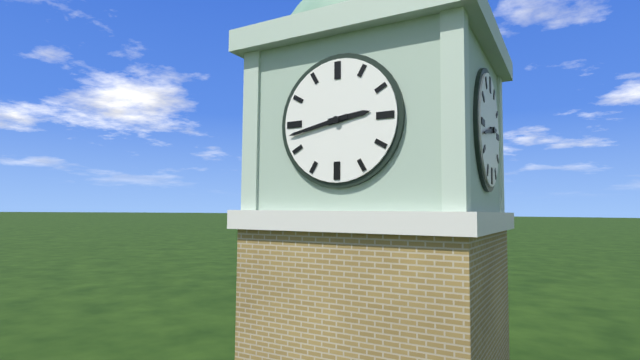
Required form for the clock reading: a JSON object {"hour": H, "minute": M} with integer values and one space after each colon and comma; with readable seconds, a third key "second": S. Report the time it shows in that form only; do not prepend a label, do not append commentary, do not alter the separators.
{"hour": 2, "minute": 43}
